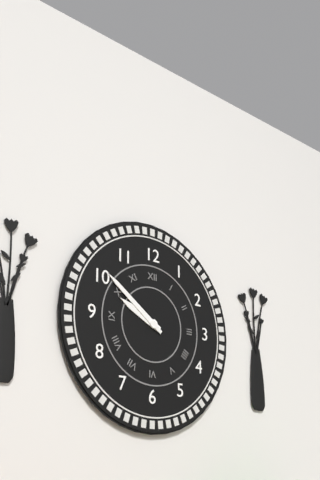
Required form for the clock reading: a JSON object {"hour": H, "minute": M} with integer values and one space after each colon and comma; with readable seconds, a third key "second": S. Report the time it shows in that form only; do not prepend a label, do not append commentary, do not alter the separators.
{"hour": 9, "minute": 51}
